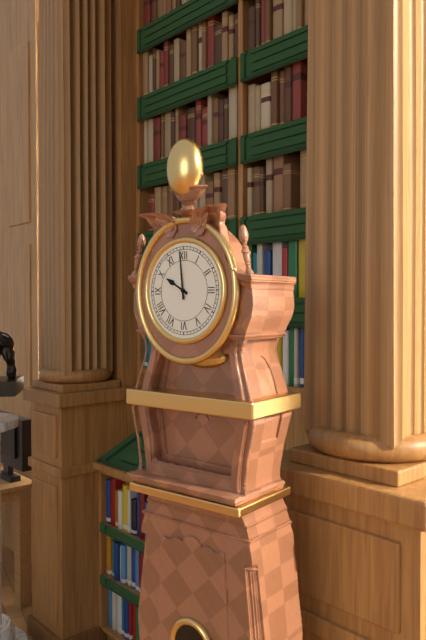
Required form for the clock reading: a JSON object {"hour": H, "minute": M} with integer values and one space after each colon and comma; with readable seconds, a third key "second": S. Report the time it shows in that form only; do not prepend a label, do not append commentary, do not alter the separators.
{"hour": 9, "minute": 59}
